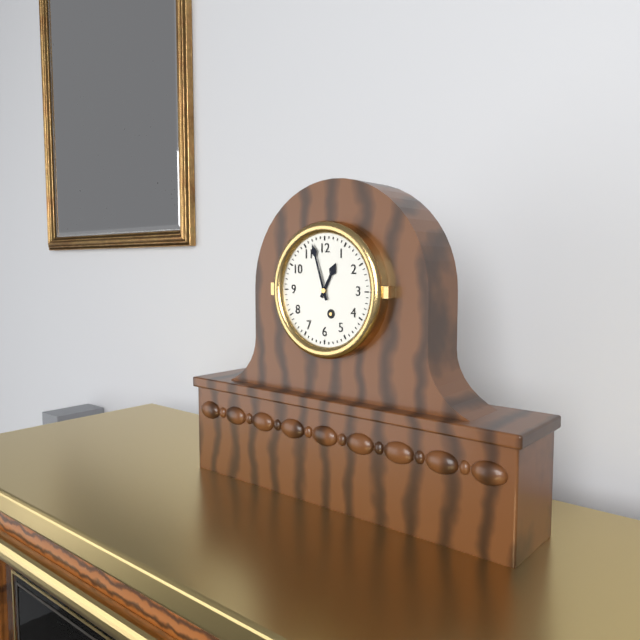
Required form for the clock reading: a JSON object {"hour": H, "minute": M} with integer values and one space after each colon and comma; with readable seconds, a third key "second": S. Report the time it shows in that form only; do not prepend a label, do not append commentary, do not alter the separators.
{"hour": 12, "minute": 57}
